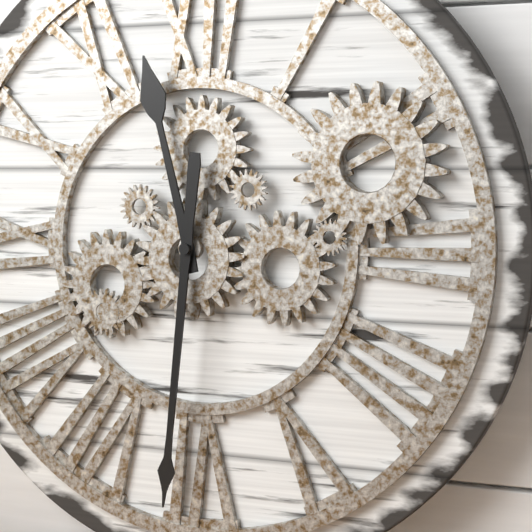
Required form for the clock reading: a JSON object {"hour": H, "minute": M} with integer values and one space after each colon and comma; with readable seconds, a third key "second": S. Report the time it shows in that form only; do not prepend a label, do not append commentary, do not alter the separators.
{"hour": 11, "minute": 31}
